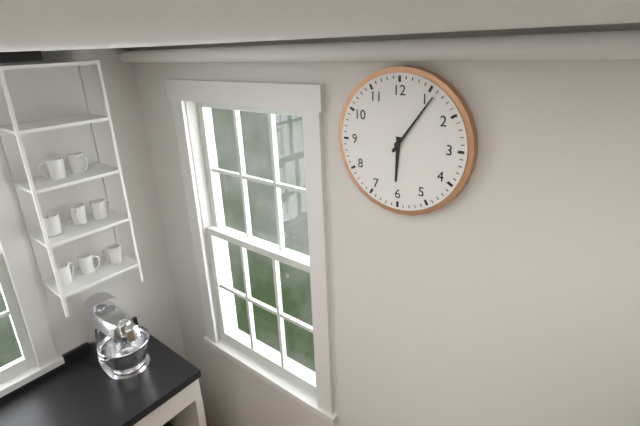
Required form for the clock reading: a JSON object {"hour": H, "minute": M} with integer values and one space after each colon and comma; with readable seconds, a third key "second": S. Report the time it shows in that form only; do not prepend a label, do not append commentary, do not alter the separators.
{"hour": 6, "minute": 6}
